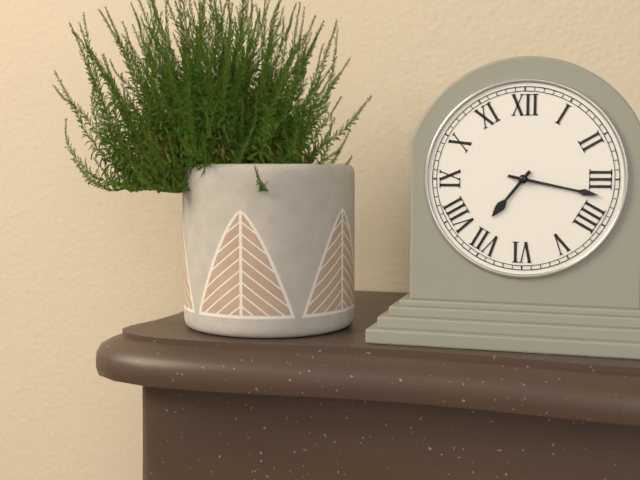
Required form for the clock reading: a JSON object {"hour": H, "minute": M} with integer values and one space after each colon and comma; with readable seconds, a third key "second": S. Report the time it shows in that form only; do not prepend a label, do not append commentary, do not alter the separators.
{"hour": 7, "minute": 17}
